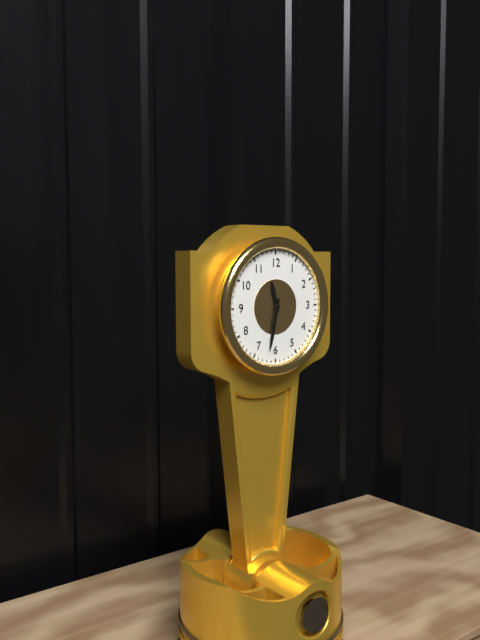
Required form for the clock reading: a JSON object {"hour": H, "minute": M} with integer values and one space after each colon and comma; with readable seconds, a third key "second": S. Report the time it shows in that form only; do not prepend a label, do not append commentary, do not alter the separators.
{"hour": 11, "minute": 32}
